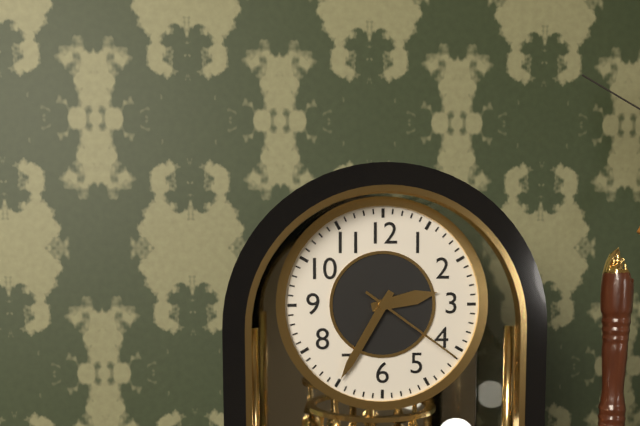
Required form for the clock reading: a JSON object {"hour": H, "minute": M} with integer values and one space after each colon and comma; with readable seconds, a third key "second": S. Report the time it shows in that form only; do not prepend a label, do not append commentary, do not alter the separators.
{"hour": 2, "minute": 35, "second": 21}
